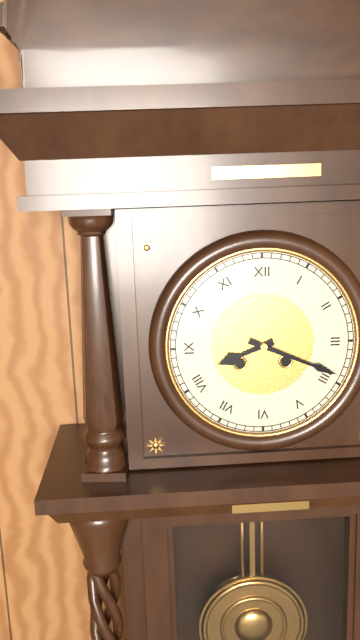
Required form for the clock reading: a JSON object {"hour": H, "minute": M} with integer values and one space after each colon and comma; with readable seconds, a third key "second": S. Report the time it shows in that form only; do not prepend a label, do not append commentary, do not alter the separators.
{"hour": 8, "minute": 19}
